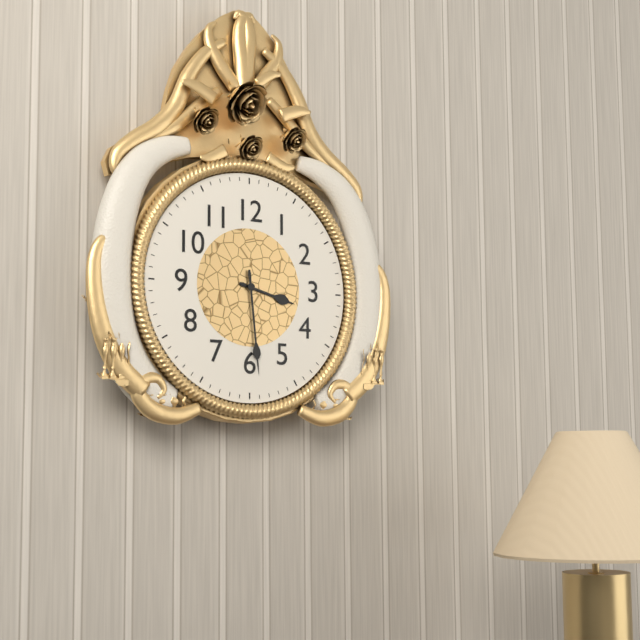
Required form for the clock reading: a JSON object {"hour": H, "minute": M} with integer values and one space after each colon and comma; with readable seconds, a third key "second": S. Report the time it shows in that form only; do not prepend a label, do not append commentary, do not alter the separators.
{"hour": 3, "minute": 29}
